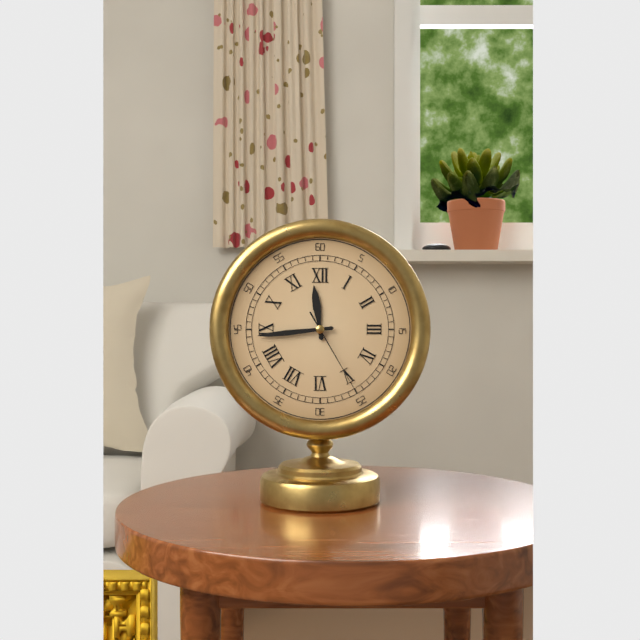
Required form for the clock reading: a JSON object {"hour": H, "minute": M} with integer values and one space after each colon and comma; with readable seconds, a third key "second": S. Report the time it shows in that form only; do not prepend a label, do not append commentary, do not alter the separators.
{"hour": 11, "minute": 44, "second": 25}
